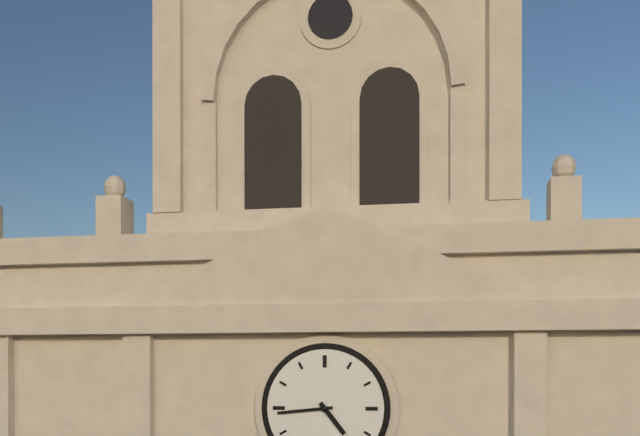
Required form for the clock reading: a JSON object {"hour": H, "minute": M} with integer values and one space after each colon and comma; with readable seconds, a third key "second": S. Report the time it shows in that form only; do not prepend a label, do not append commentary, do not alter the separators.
{"hour": 4, "minute": 44}
